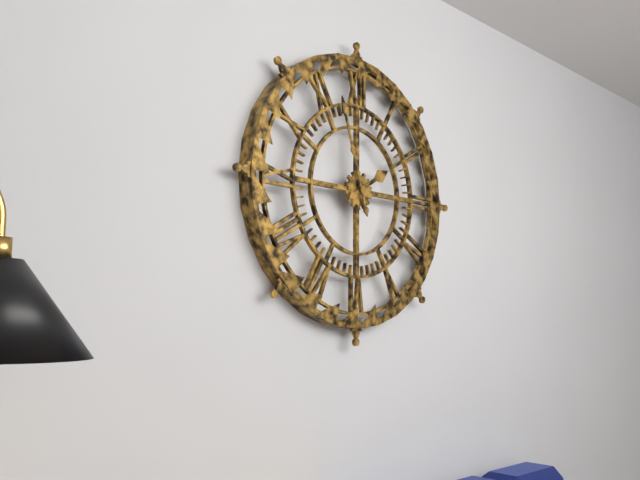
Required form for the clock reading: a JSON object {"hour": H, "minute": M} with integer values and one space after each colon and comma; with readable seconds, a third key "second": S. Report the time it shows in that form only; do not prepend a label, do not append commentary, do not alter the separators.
{"hour": 1, "minute": 57}
